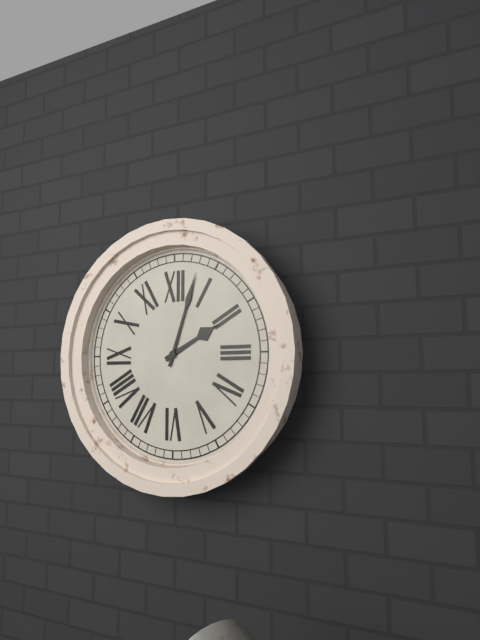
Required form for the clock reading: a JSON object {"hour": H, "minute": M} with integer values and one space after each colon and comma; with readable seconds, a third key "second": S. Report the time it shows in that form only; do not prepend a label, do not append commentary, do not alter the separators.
{"hour": 2, "minute": 3}
